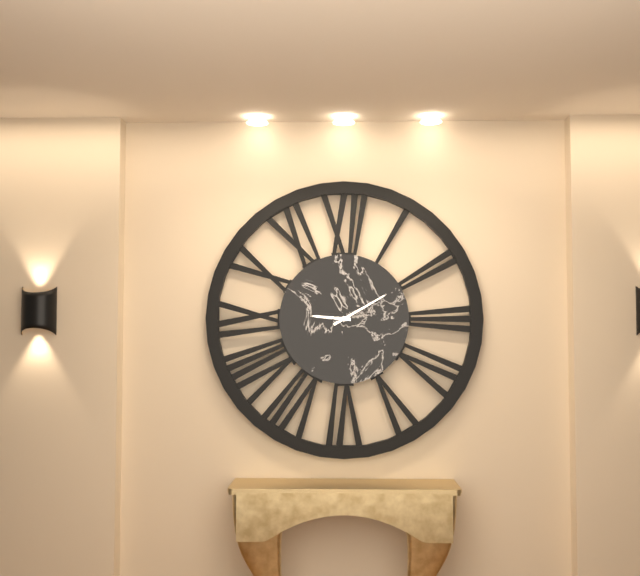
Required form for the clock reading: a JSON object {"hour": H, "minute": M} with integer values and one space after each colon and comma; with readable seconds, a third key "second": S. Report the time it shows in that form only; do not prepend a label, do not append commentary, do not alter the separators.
{"hour": 9, "minute": 10}
